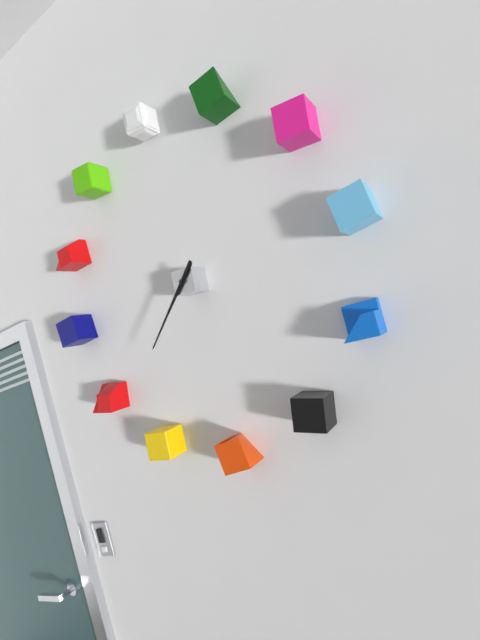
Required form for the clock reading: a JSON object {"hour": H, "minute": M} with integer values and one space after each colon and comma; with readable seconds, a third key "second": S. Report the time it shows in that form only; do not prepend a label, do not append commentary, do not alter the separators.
{"hour": 7, "minute": 38}
